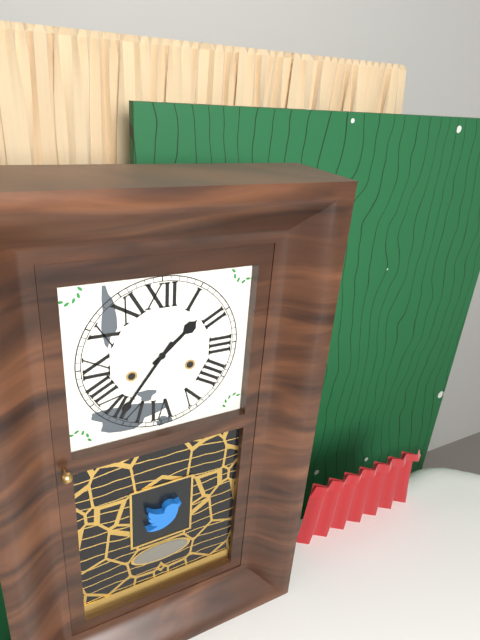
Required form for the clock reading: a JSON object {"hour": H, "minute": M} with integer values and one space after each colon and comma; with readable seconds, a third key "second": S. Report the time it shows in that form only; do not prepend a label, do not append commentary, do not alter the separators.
{"hour": 1, "minute": 36}
